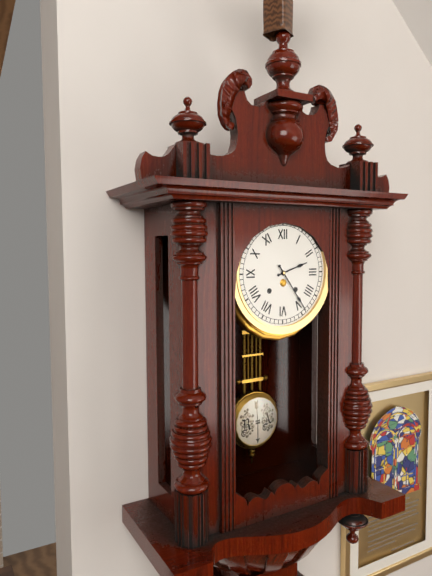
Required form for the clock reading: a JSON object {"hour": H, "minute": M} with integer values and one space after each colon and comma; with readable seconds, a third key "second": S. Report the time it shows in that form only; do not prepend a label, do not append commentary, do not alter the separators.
{"hour": 2, "minute": 24}
